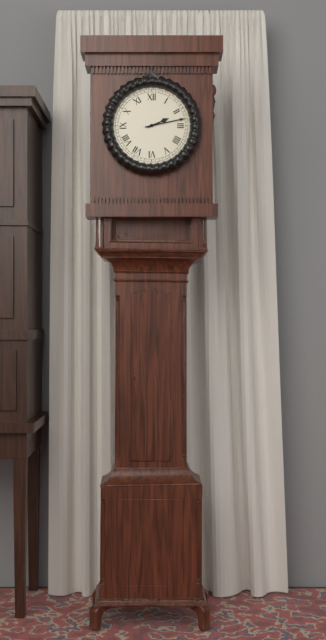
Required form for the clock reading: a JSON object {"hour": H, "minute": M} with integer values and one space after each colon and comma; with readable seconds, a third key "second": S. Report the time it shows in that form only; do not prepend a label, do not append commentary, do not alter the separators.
{"hour": 2, "minute": 13}
